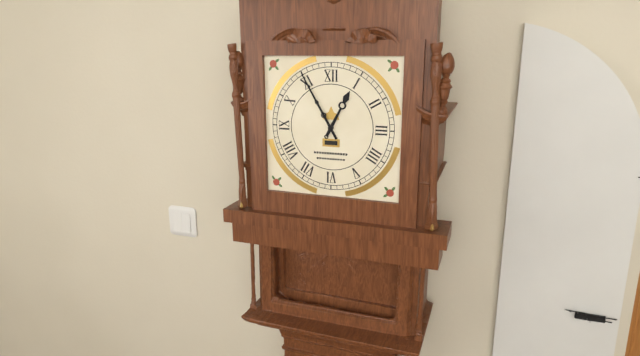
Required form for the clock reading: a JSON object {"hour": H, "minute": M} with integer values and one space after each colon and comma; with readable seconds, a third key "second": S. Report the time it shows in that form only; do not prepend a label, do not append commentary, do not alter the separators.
{"hour": 12, "minute": 55}
